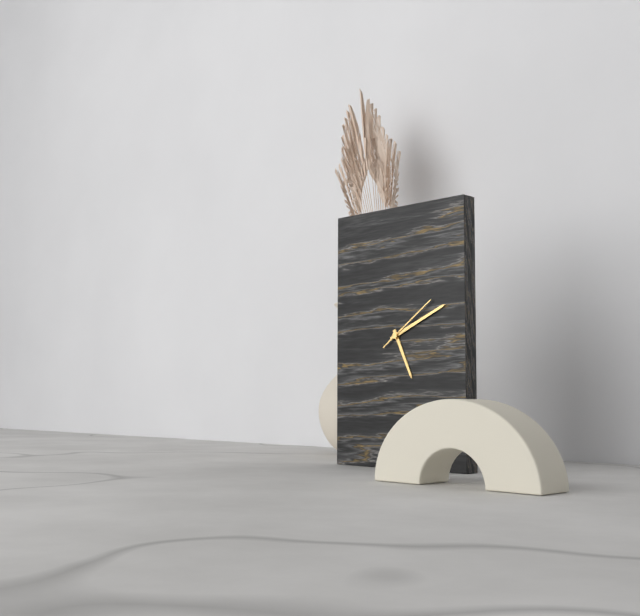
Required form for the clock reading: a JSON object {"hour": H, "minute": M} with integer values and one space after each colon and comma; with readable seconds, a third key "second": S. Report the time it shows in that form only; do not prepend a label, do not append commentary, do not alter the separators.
{"hour": 5, "minute": 11, "second": 9}
